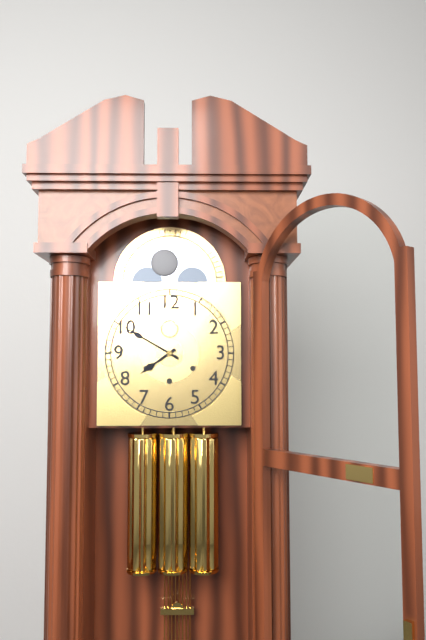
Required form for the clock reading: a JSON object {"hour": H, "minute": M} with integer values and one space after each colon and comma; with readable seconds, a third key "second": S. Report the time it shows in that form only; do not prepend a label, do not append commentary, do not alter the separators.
{"hour": 7, "minute": 50}
